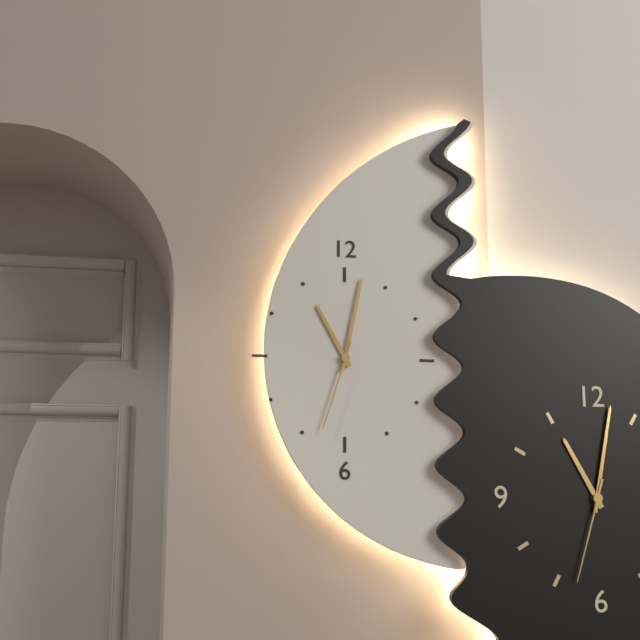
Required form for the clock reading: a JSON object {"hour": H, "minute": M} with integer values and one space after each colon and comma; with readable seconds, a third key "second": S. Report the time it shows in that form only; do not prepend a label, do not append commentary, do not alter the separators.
{"hour": 11, "minute": 2, "second": 33}
